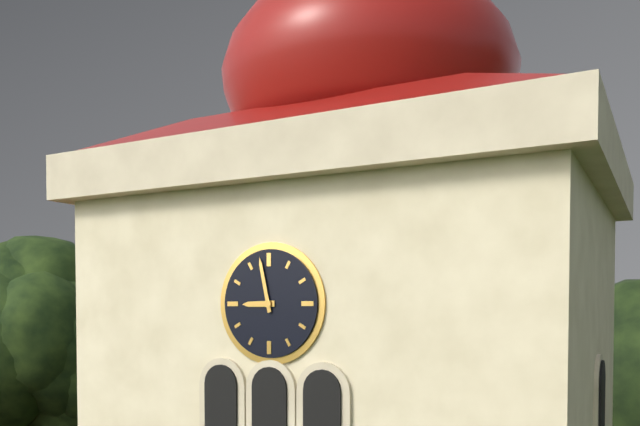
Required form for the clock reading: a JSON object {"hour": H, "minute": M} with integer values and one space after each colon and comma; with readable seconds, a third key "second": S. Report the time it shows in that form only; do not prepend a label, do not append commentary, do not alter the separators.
{"hour": 8, "minute": 58}
